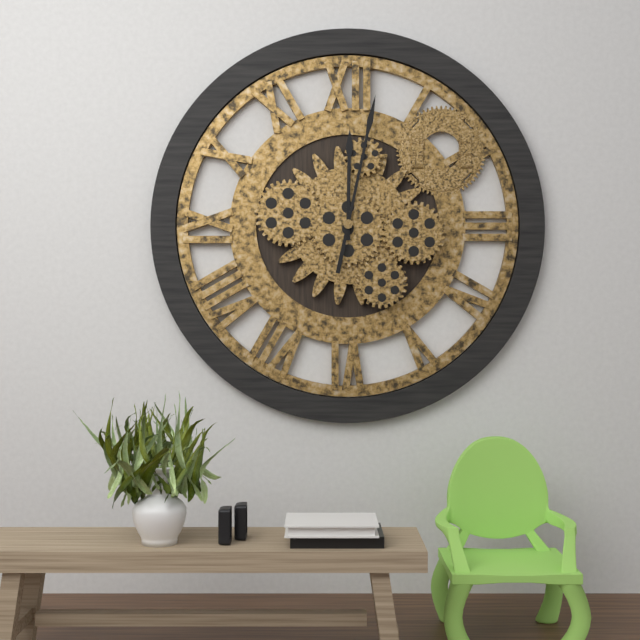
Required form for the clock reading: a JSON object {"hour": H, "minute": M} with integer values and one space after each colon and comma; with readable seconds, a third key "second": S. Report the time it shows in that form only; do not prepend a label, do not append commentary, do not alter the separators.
{"hour": 12, "minute": 2}
